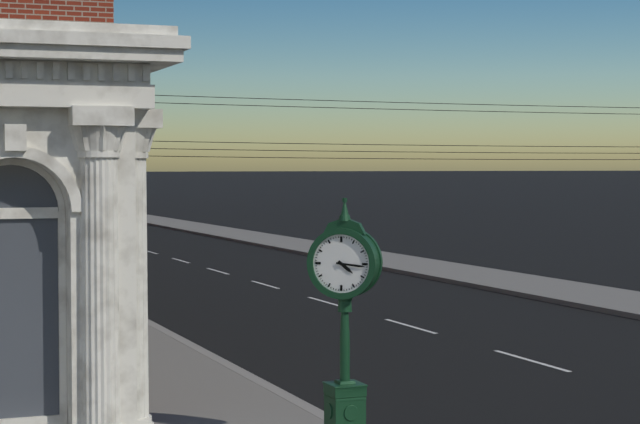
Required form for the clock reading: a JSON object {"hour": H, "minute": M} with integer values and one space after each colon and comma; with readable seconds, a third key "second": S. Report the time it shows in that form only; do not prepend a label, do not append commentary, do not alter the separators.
{"hour": 4, "minute": 16}
